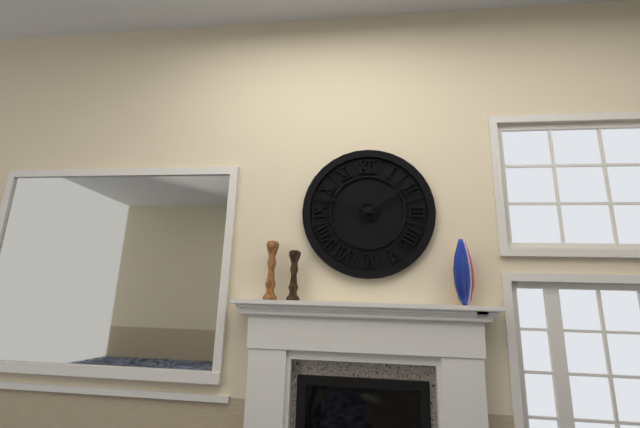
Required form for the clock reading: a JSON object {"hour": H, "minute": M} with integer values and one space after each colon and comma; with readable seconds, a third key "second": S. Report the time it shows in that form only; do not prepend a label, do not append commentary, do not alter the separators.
{"hour": 1, "minute": 48}
